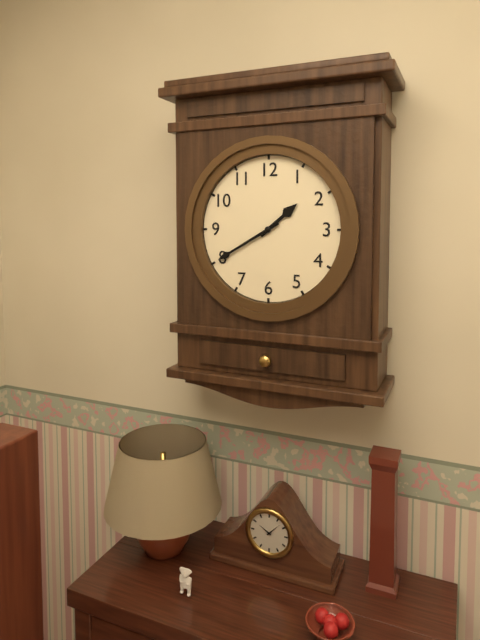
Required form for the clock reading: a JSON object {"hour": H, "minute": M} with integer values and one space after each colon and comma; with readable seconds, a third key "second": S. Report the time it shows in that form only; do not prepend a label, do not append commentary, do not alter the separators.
{"hour": 1, "minute": 40}
